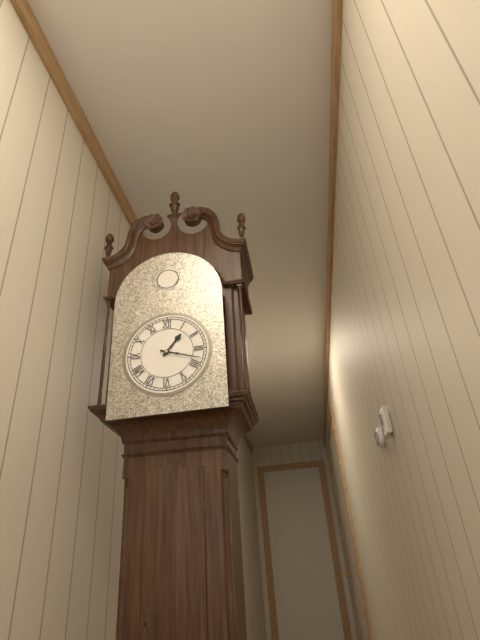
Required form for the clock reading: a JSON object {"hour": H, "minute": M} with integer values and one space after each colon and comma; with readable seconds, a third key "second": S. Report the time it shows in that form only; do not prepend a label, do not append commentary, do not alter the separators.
{"hour": 1, "minute": 18}
